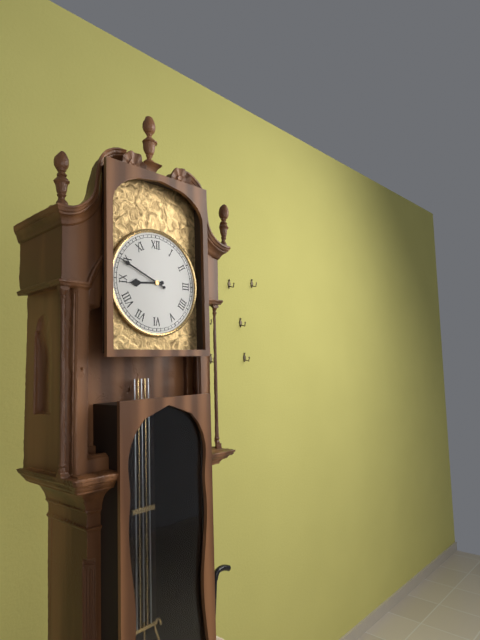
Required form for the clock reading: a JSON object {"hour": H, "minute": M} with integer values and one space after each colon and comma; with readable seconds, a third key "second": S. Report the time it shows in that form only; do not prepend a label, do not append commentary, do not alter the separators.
{"hour": 8, "minute": 49}
